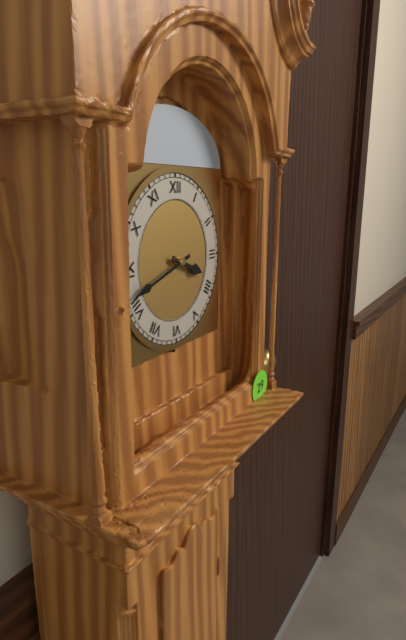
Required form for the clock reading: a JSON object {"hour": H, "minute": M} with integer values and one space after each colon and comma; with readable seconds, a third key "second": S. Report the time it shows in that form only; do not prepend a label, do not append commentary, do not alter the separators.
{"hour": 3, "minute": 42}
